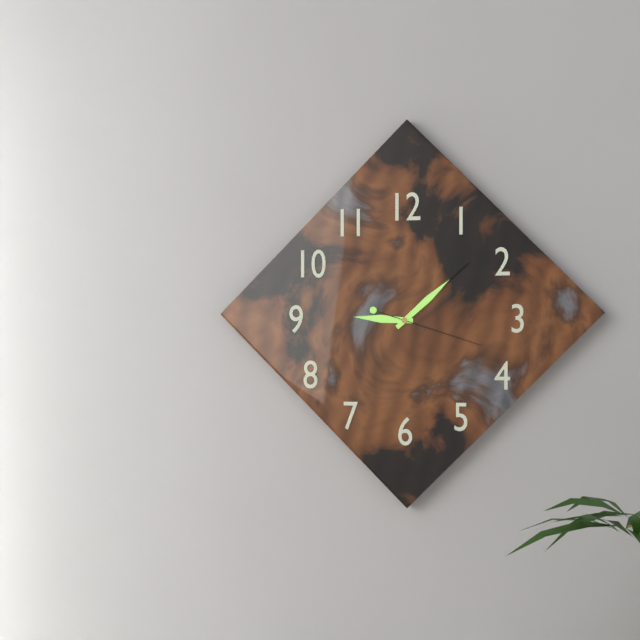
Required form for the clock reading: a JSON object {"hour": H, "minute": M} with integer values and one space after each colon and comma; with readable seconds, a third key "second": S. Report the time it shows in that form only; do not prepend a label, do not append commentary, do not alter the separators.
{"hour": 9, "minute": 8, "second": 18}
